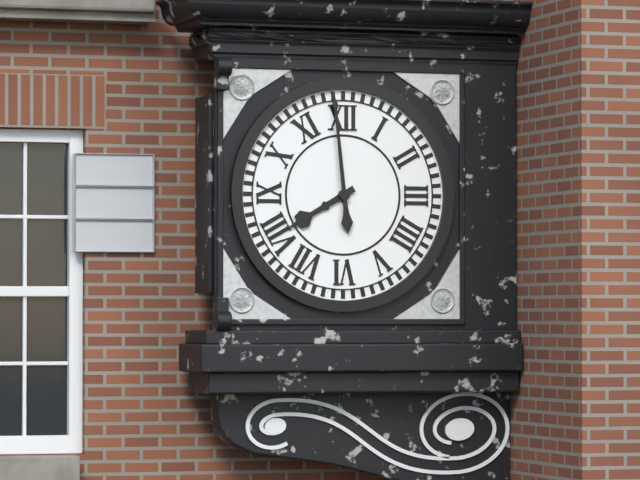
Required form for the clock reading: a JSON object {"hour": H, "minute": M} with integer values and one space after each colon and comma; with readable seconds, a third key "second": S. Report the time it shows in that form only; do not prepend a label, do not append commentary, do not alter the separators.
{"hour": 7, "minute": 59}
